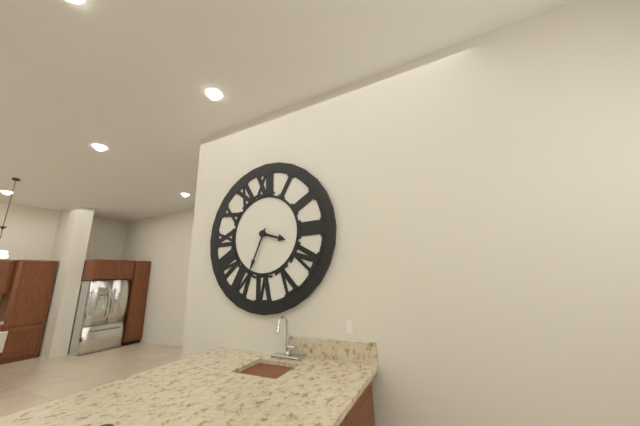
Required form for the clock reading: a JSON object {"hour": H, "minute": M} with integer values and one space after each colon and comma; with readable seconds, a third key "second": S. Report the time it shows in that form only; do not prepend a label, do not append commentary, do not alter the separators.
{"hour": 3, "minute": 34}
